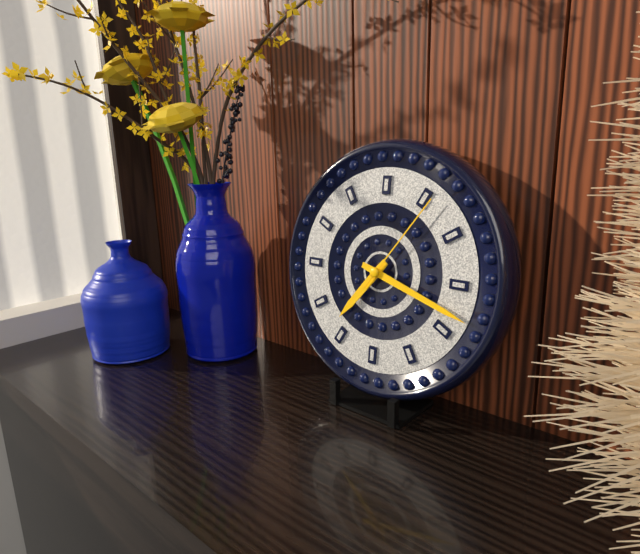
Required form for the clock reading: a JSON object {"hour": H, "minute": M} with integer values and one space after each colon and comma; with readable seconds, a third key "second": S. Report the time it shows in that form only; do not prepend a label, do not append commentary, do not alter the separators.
{"hour": 7, "minute": 18, "second": 6}
